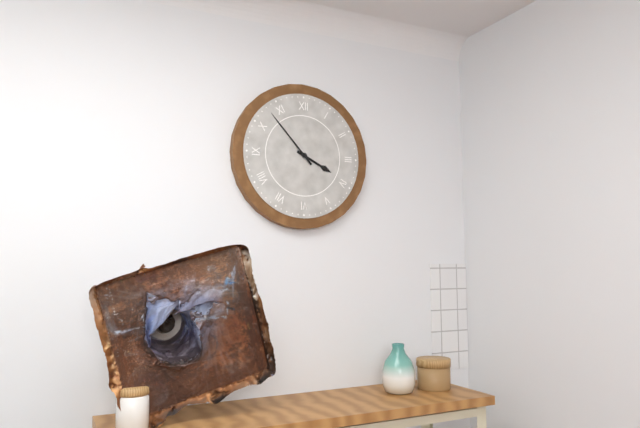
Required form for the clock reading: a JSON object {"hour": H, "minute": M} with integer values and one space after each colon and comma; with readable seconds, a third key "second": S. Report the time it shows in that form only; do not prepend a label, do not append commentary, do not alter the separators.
{"hour": 3, "minute": 53}
